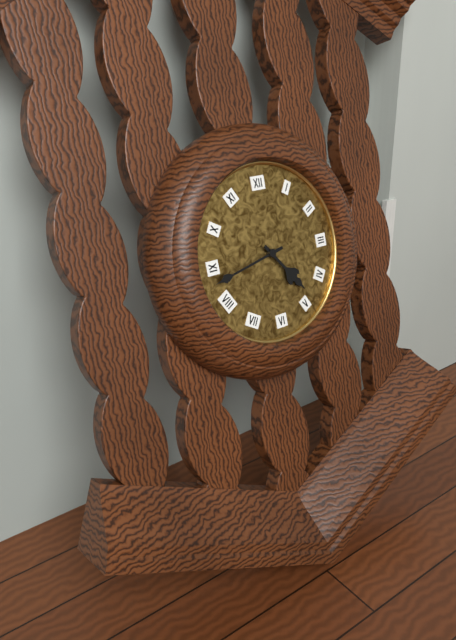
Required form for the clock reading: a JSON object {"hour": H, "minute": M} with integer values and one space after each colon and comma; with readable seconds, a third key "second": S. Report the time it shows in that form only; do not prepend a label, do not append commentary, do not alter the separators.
{"hour": 4, "minute": 43}
